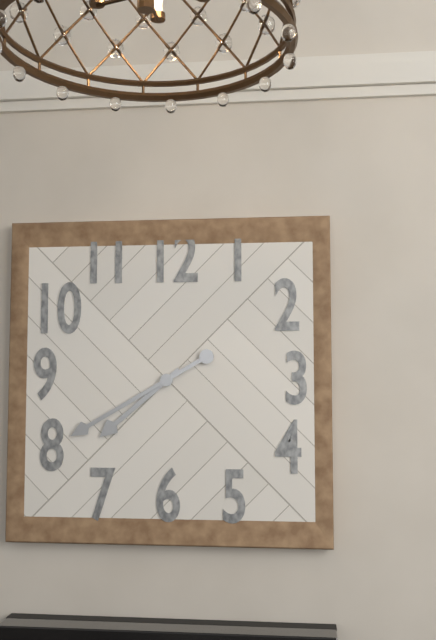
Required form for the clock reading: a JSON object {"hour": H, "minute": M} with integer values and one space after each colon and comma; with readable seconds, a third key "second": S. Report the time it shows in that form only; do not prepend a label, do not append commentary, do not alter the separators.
{"hour": 7, "minute": 40}
